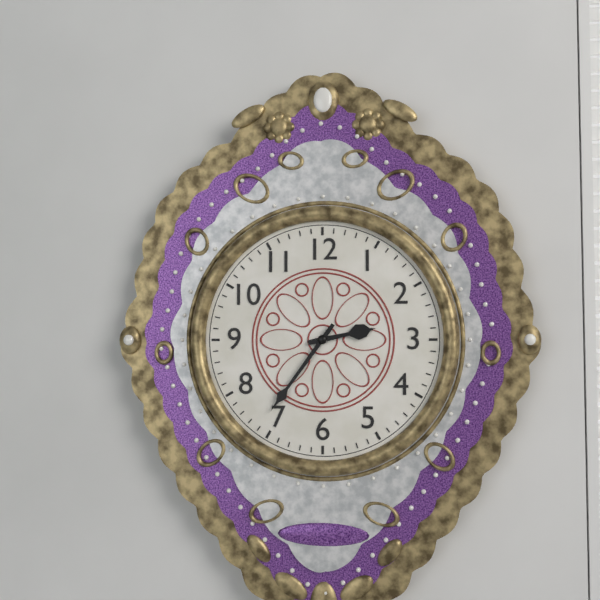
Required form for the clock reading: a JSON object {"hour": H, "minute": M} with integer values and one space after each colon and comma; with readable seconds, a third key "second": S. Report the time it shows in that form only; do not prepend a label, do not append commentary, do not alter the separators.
{"hour": 2, "minute": 36}
